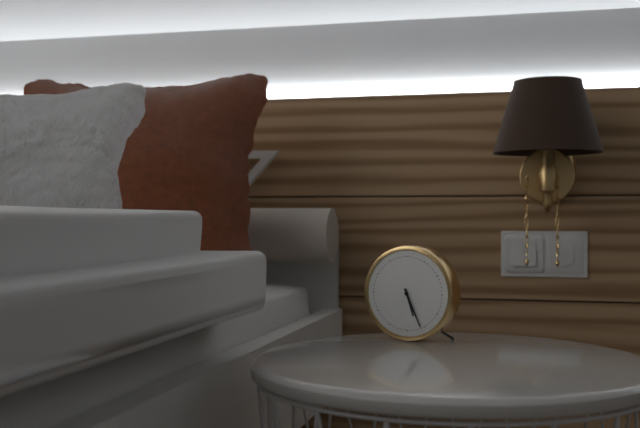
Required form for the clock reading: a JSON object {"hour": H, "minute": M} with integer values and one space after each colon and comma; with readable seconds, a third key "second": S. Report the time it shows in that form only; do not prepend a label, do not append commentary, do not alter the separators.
{"hour": 5, "minute": 26}
